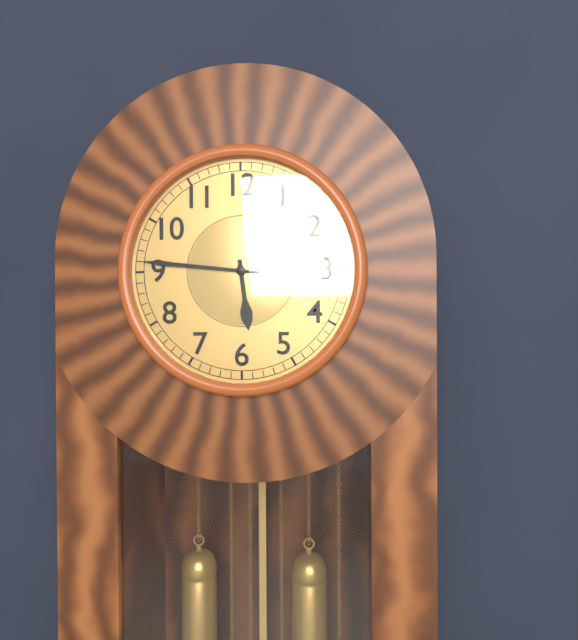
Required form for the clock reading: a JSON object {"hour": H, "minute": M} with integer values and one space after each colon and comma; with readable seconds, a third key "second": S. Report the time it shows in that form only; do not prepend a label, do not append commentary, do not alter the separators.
{"hour": 5, "minute": 46}
